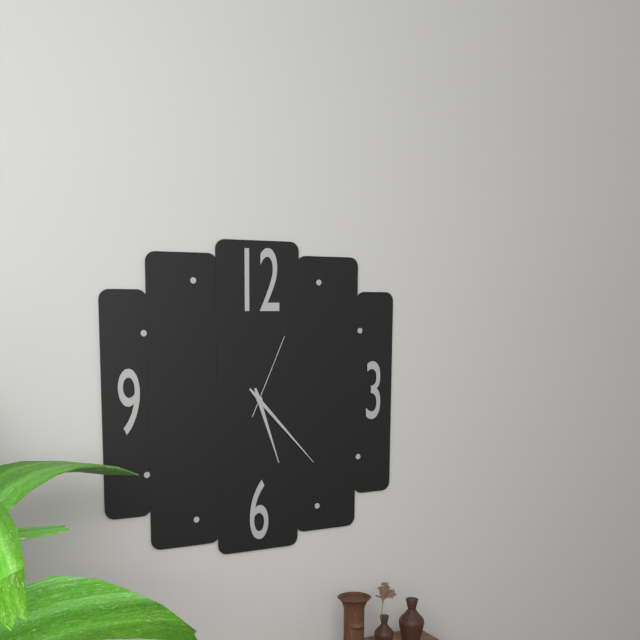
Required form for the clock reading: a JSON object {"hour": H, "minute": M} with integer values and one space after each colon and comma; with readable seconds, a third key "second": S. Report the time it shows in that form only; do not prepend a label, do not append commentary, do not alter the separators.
{"hour": 5, "minute": 23, "second": 4}
